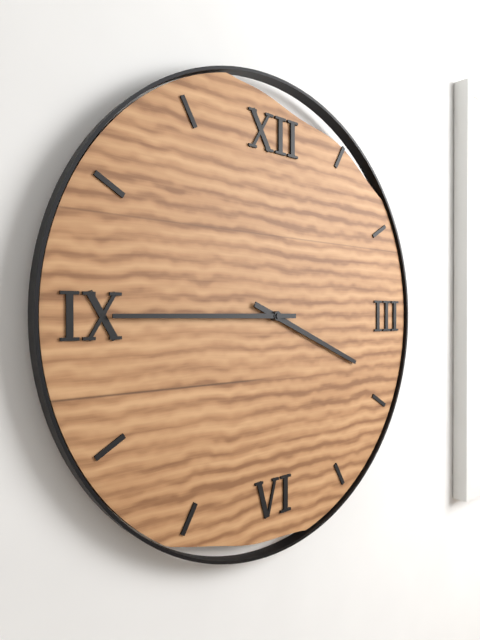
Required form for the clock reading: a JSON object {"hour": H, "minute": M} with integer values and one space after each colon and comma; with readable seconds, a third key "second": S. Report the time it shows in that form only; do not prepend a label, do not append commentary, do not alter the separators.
{"hour": 3, "minute": 45}
